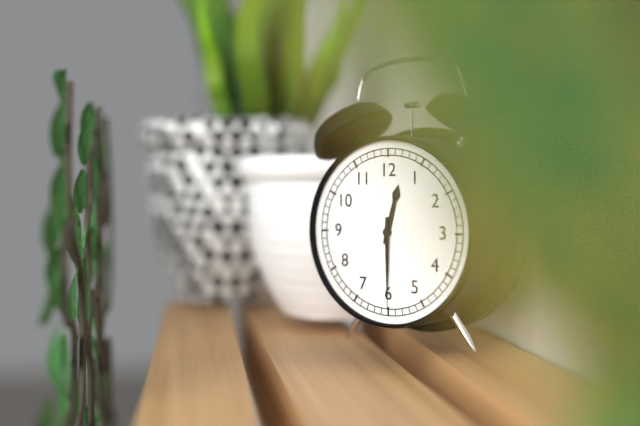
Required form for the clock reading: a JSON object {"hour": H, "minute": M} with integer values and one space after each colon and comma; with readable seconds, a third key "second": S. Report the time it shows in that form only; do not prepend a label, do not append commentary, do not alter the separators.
{"hour": 12, "minute": 30}
